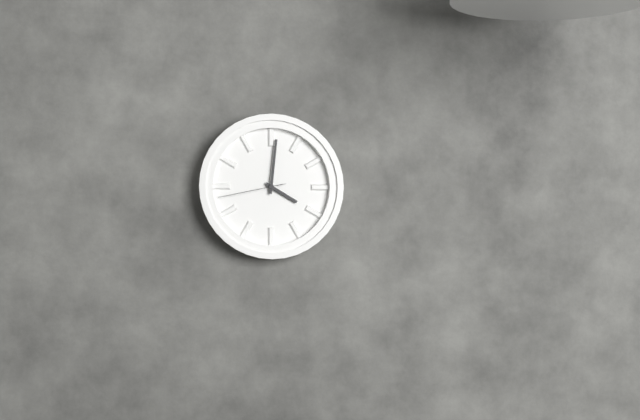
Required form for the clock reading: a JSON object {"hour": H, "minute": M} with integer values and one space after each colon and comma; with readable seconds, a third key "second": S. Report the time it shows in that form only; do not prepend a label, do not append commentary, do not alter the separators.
{"hour": 4, "minute": 1, "second": 43}
